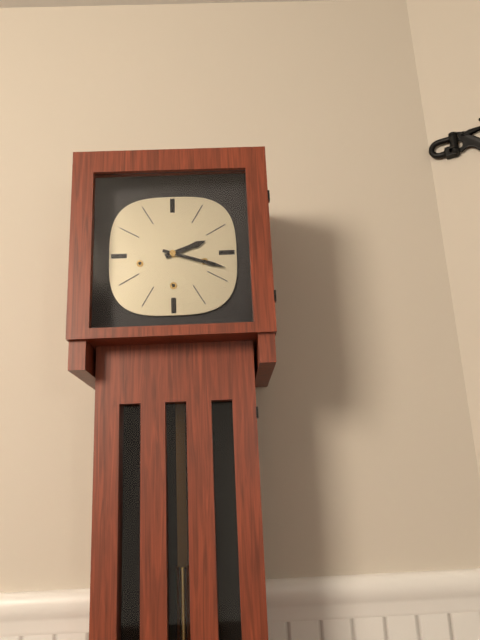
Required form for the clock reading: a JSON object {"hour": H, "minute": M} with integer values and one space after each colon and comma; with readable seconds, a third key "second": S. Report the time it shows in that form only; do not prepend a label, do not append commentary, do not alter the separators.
{"hour": 2, "minute": 18}
